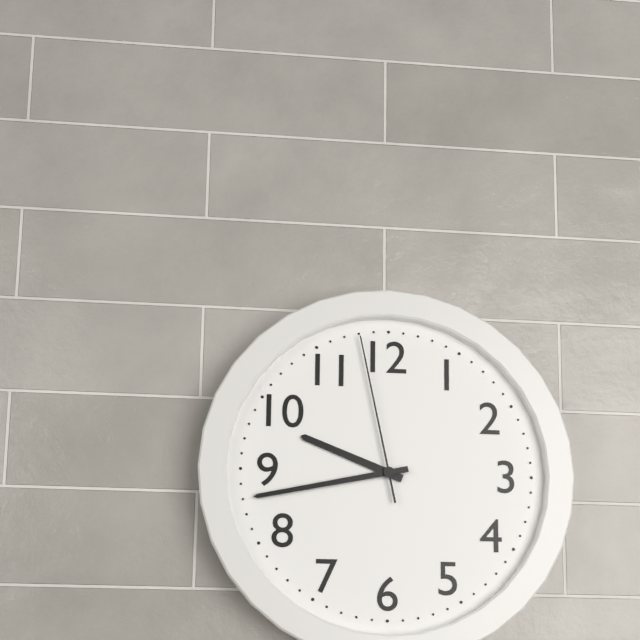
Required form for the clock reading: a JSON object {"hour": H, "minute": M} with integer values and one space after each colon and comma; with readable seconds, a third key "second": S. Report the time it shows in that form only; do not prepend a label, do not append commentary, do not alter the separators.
{"hour": 9, "minute": 43, "second": 58}
